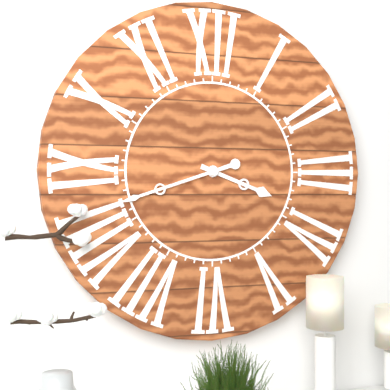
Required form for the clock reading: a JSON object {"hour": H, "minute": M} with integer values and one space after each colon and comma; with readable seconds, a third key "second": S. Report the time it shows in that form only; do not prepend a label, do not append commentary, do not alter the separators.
{"hour": 3, "minute": 42}
